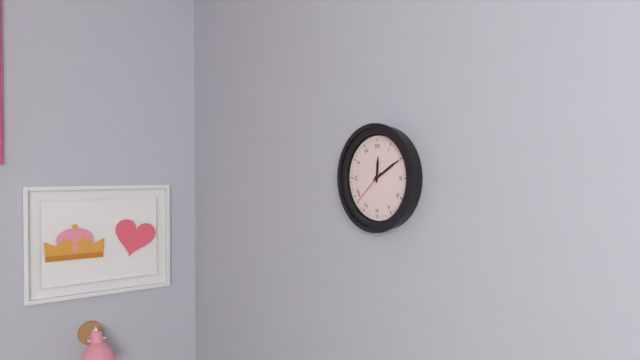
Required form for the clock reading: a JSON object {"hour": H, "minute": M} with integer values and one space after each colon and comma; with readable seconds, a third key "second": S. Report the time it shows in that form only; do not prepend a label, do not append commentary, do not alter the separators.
{"hour": 12, "minute": 10}
